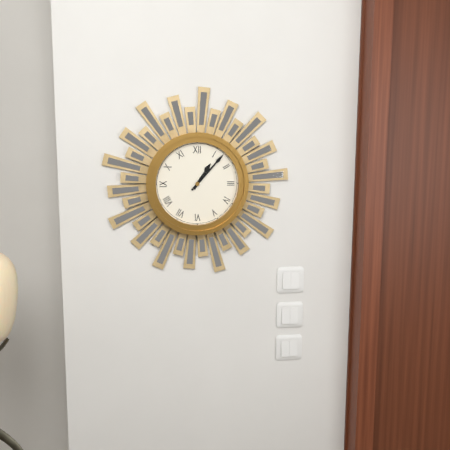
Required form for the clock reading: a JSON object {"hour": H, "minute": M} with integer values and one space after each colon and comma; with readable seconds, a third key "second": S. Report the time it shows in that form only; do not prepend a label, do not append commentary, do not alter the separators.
{"hour": 1, "minute": 7}
